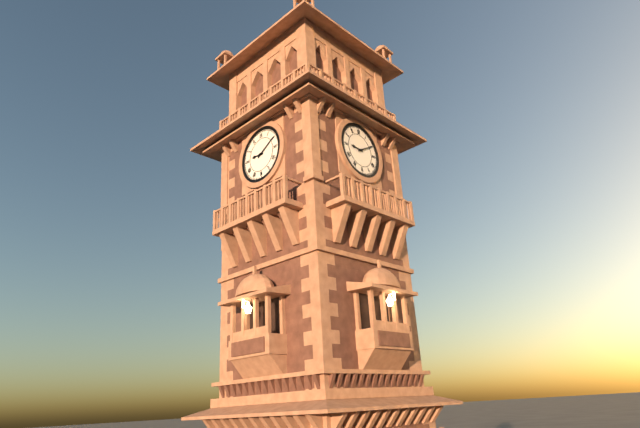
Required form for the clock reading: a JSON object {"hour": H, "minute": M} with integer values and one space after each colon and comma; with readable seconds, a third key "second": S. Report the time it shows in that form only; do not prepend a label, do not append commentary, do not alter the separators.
{"hour": 9, "minute": 10}
